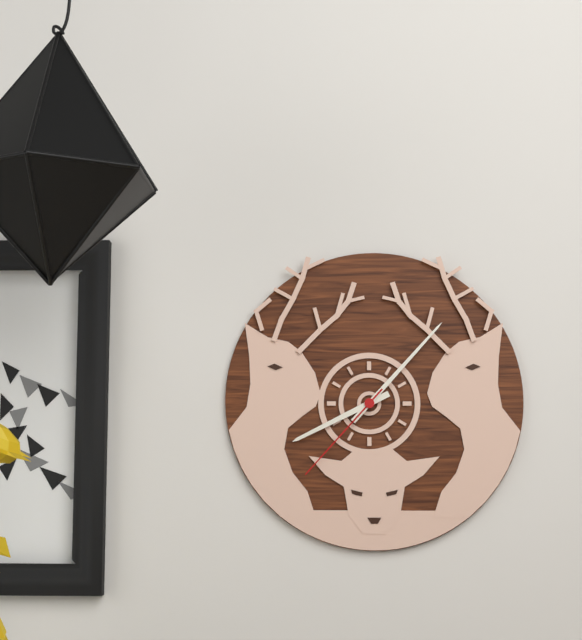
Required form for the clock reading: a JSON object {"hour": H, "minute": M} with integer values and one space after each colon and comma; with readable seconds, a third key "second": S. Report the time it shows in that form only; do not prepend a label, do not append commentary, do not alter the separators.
{"hour": 8, "minute": 7, "second": 37}
